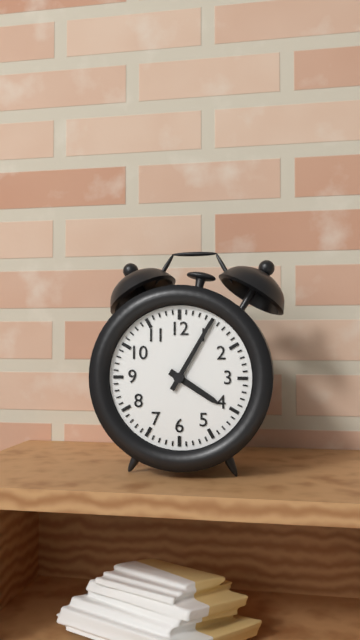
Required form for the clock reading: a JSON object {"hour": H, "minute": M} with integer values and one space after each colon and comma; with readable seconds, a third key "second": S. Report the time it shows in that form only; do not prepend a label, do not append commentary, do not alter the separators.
{"hour": 4, "minute": 5}
